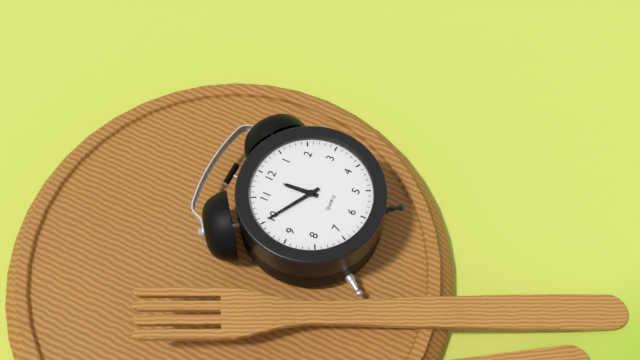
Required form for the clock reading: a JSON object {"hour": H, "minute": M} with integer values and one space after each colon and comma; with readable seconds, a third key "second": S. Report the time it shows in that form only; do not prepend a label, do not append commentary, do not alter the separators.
{"hour": 11, "minute": 50}
